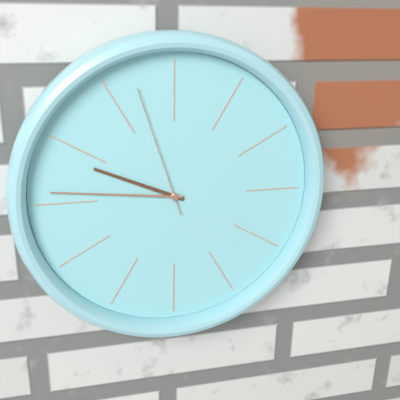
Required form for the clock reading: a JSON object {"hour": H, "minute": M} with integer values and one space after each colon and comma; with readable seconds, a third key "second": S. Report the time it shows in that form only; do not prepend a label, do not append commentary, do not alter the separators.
{"hour": 9, "minute": 46, "second": 57}
